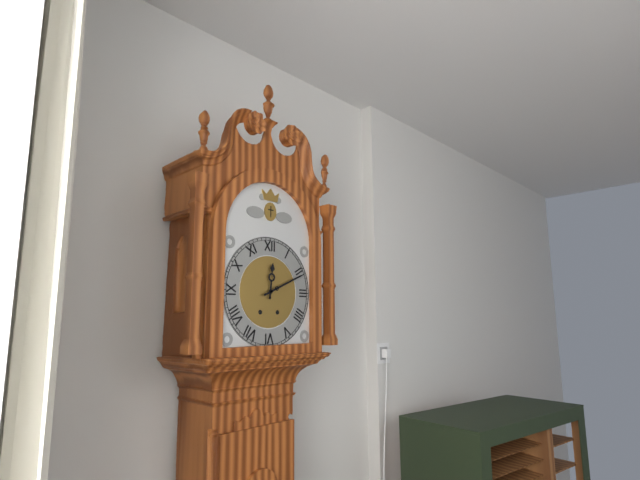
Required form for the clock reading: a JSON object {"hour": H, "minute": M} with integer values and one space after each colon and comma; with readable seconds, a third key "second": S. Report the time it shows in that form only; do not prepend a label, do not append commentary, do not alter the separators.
{"hour": 12, "minute": 11}
